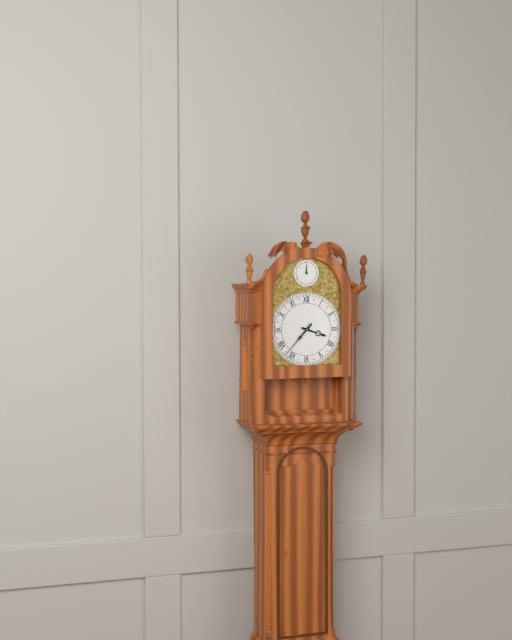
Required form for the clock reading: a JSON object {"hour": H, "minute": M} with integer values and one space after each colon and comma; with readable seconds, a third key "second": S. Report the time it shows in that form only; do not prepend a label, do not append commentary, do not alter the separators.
{"hour": 3, "minute": 37}
